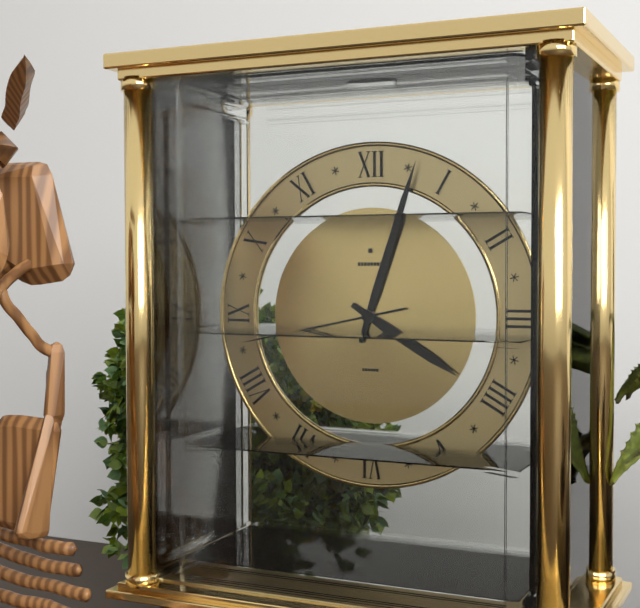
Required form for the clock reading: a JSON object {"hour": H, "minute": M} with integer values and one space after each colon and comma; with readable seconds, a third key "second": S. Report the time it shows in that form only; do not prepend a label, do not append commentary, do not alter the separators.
{"hour": 4, "minute": 3, "second": 43}
